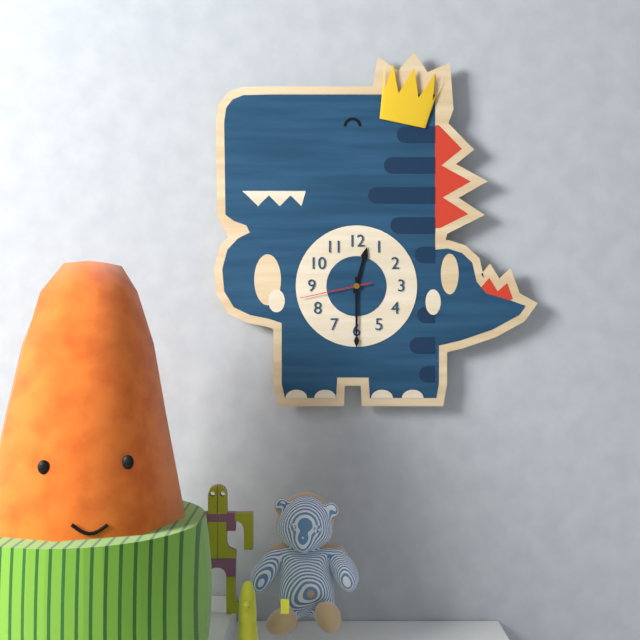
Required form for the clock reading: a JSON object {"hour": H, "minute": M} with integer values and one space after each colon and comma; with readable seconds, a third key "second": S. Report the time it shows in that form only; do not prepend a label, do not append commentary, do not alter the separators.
{"hour": 12, "minute": 30, "second": 43}
